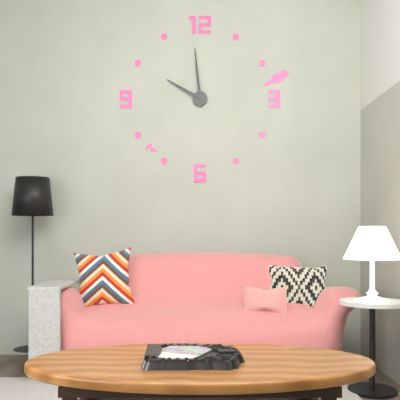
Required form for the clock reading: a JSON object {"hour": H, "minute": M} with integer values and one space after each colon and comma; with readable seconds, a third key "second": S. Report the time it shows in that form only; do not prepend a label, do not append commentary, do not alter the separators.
{"hour": 9, "minute": 59}
